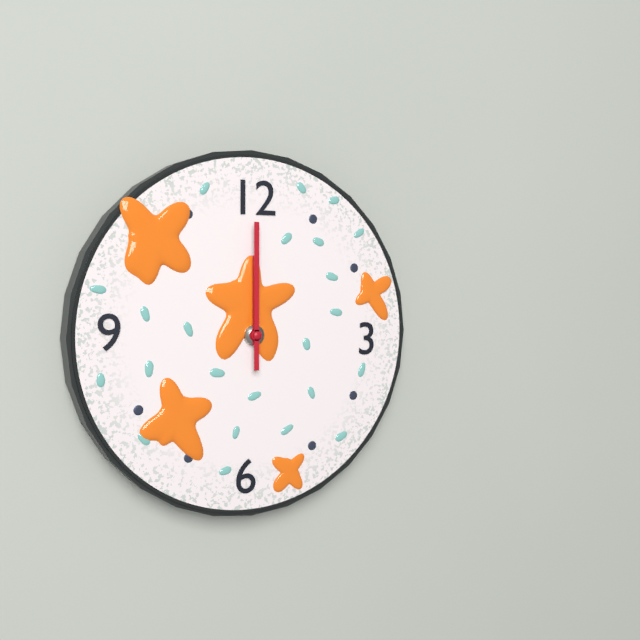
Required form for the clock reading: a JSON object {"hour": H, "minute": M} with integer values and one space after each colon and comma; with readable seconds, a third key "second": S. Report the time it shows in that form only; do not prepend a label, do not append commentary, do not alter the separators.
{"hour": 12, "minute": 0}
